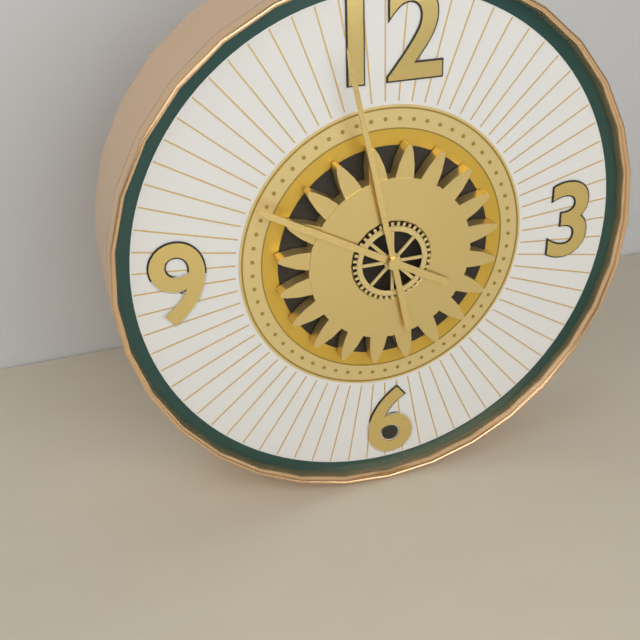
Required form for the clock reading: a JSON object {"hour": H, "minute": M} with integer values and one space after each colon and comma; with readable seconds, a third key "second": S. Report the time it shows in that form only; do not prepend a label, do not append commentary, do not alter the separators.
{"hour": 9, "minute": 58}
